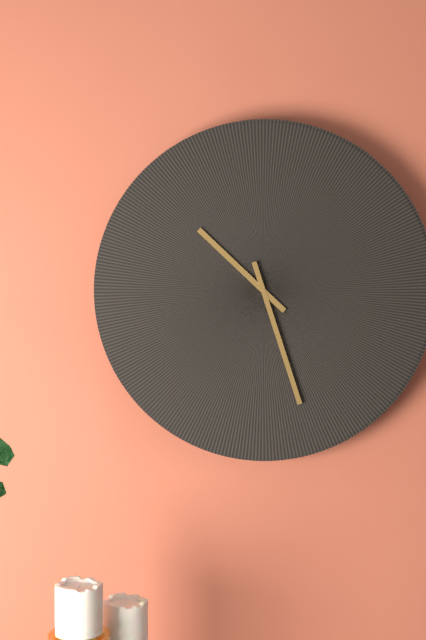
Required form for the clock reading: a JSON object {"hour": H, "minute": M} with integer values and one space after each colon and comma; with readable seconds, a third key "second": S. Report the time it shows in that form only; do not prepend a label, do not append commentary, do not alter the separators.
{"hour": 10, "minute": 27}
